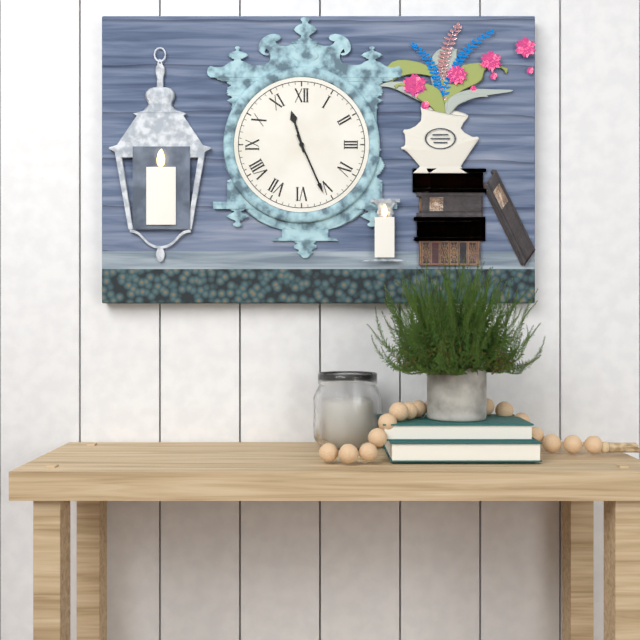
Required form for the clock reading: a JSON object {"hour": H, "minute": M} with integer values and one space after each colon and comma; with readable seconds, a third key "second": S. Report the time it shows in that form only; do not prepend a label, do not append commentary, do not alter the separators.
{"hour": 11, "minute": 26}
